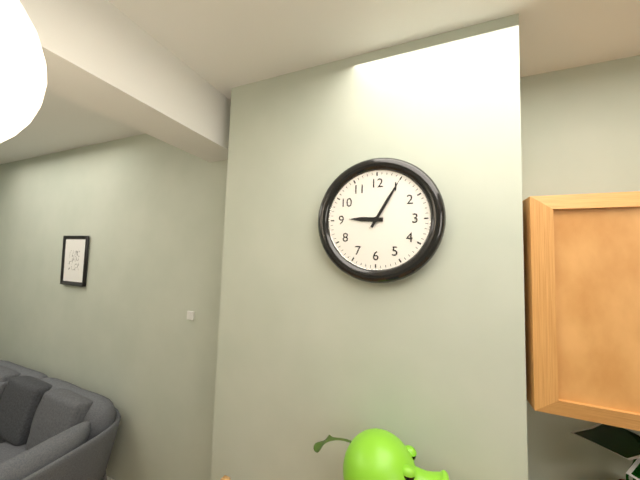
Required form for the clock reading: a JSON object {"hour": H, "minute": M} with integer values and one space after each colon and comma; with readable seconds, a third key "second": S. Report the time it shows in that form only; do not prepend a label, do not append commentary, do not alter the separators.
{"hour": 9, "minute": 5}
